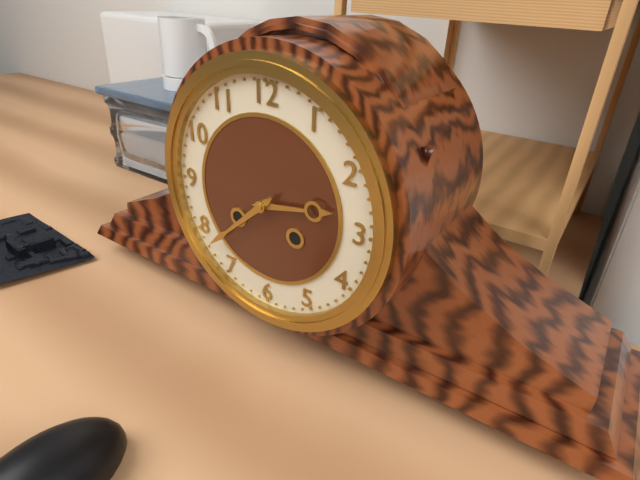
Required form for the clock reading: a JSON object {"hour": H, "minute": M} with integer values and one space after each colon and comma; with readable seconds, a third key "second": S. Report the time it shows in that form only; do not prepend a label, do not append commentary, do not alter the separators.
{"hour": 2, "minute": 38}
